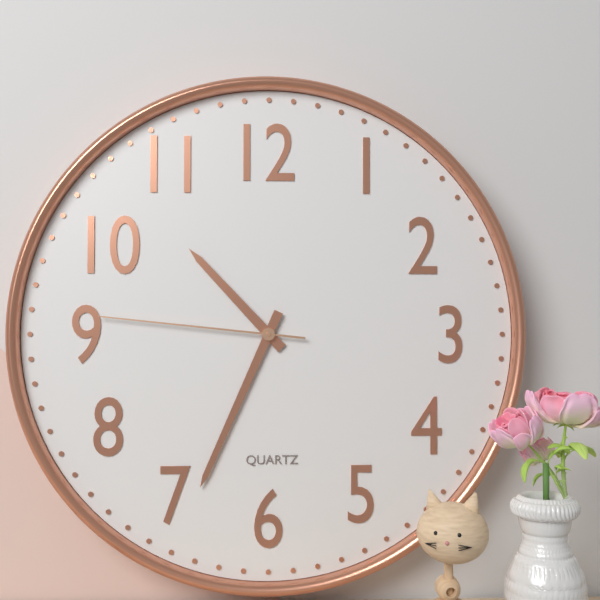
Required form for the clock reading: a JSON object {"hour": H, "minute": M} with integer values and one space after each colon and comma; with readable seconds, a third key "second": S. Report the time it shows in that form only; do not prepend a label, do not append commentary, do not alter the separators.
{"hour": 10, "minute": 34, "second": 46}
